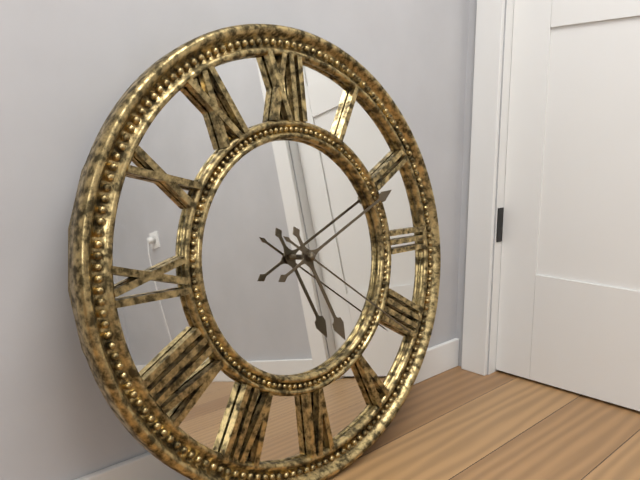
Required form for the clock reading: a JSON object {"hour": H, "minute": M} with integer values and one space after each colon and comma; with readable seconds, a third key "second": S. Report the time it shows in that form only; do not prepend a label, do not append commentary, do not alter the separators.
{"hour": 5, "minute": 11, "second": 21}
